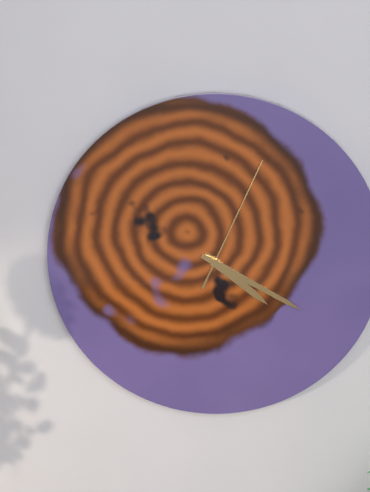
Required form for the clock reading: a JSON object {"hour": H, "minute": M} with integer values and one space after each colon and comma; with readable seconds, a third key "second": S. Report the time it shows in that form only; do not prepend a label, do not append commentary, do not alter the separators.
{"hour": 4, "minute": 20, "second": 4}
